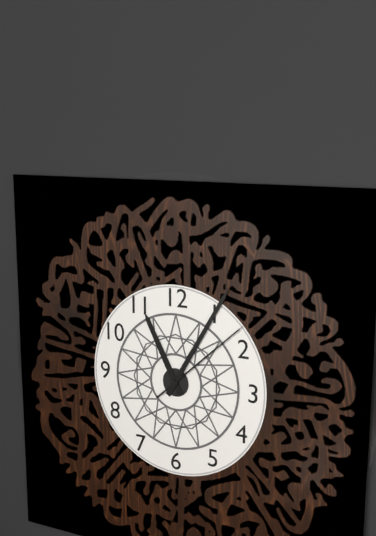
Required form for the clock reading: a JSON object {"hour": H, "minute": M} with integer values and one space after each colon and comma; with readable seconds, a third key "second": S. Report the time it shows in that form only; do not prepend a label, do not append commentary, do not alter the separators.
{"hour": 11, "minute": 5, "second": 8}
